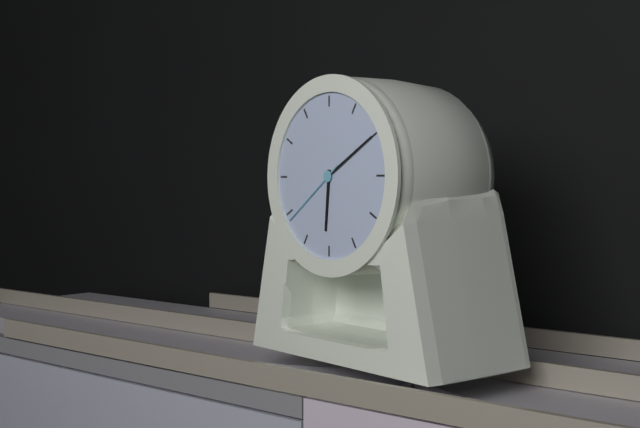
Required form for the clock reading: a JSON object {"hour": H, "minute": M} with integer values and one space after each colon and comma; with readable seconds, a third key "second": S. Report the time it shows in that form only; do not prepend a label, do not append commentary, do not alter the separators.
{"hour": 6, "minute": 10, "second": 39}
